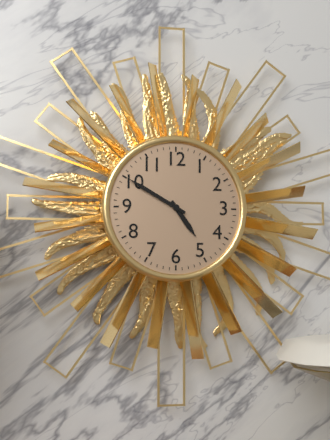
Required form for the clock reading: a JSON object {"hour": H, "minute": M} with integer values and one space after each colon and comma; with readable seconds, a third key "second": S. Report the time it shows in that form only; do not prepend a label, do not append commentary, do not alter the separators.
{"hour": 4, "minute": 50}
